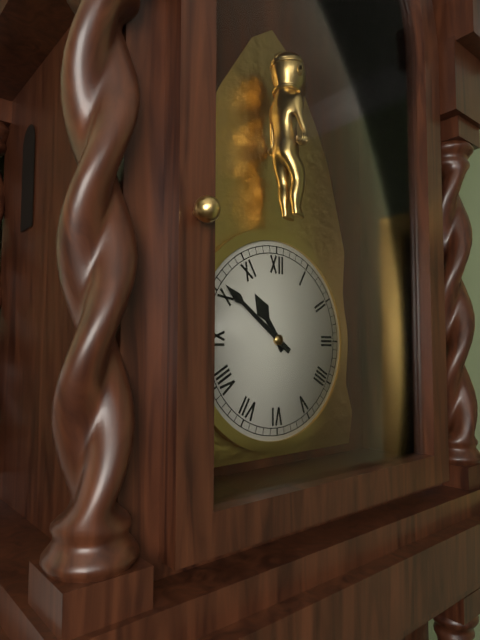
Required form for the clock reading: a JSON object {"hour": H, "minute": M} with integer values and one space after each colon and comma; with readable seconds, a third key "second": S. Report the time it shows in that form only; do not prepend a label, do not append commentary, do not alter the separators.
{"hour": 10, "minute": 51}
